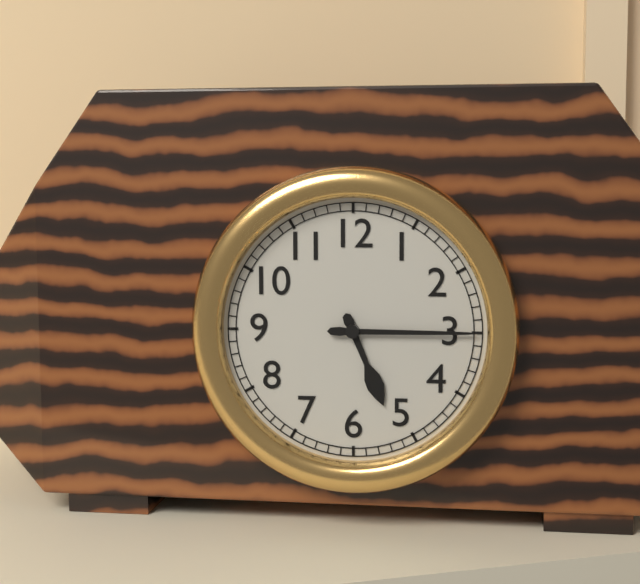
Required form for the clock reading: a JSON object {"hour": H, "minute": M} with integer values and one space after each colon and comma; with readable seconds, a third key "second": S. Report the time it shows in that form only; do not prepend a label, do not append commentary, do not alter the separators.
{"hour": 5, "minute": 15}
